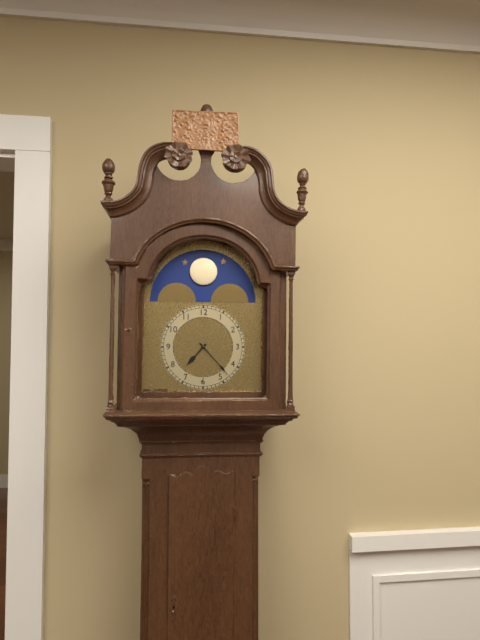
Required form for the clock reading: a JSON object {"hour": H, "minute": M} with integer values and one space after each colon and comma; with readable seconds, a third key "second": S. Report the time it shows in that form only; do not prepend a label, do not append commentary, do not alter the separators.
{"hour": 7, "minute": 23}
